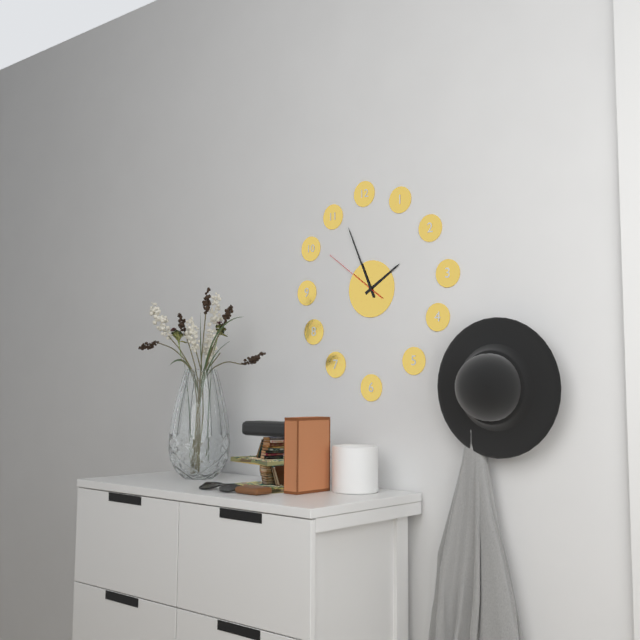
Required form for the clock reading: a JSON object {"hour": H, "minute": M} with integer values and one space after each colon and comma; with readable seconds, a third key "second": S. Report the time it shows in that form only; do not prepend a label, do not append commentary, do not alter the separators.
{"hour": 1, "minute": 56, "second": 51}
